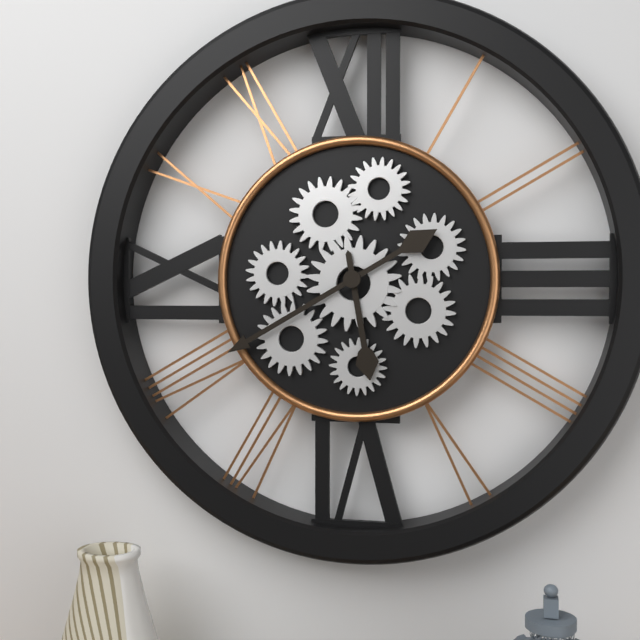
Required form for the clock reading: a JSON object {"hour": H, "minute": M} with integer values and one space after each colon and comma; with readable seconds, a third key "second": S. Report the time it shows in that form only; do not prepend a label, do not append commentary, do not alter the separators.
{"hour": 5, "minute": 40}
